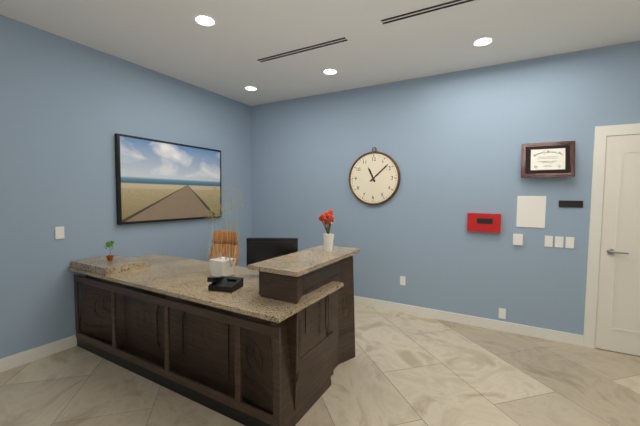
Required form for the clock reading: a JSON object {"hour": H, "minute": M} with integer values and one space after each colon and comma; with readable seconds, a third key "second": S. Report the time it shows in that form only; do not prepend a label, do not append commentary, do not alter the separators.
{"hour": 11, "minute": 8}
